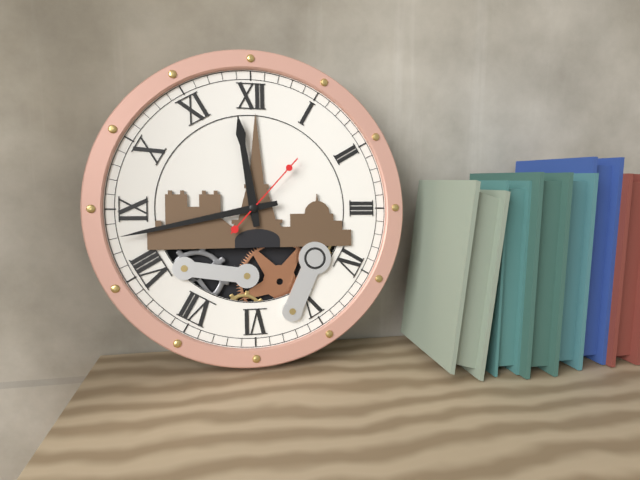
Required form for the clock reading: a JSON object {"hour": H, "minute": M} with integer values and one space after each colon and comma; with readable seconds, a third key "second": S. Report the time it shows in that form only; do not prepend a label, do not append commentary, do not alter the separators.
{"hour": 11, "minute": 43, "second": 7}
